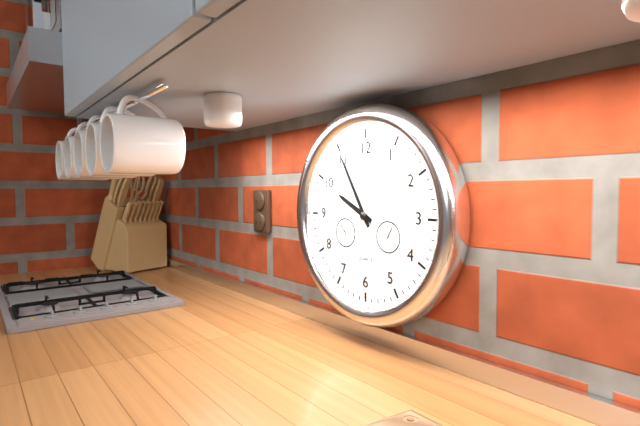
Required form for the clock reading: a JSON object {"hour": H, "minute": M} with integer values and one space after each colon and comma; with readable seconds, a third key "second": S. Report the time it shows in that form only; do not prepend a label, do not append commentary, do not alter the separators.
{"hour": 9, "minute": 55}
